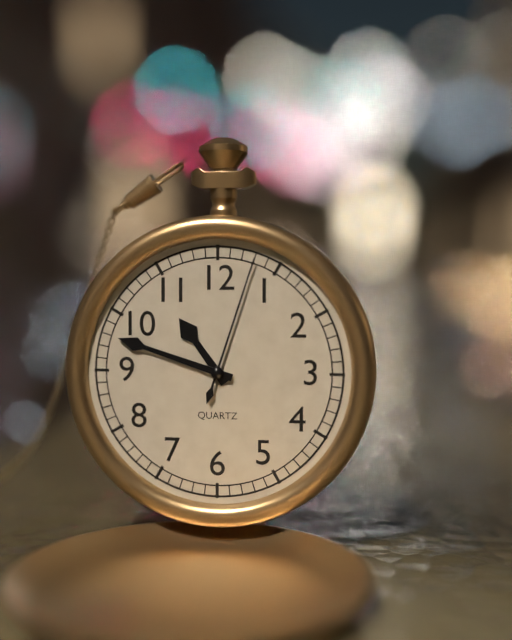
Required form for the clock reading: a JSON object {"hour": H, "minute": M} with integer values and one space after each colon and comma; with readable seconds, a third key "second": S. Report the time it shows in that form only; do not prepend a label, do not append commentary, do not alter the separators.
{"hour": 10, "minute": 48, "second": 3}
